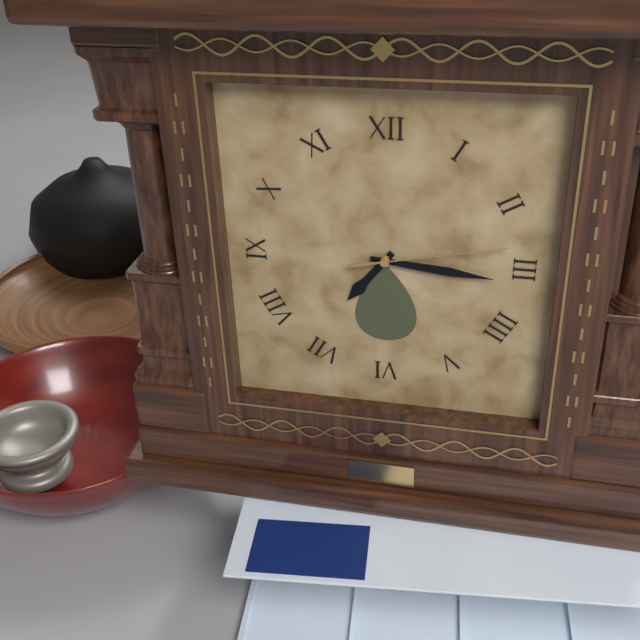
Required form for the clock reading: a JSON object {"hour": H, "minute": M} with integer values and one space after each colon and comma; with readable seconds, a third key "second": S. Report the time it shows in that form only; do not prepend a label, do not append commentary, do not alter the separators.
{"hour": 7, "minute": 16, "second": 13}
